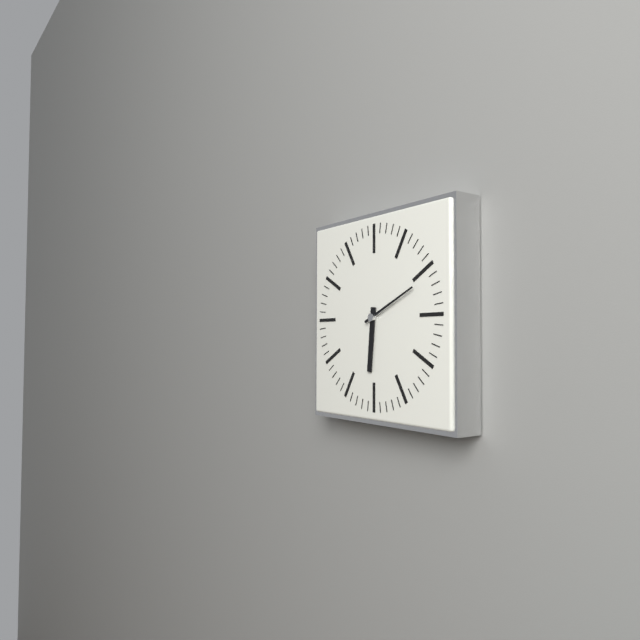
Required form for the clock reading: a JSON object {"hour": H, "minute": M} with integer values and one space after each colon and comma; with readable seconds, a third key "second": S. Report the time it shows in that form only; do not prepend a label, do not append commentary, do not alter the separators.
{"hour": 6, "minute": 11}
